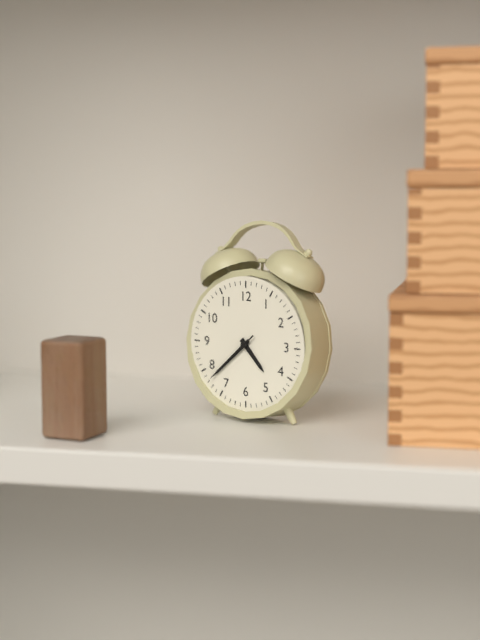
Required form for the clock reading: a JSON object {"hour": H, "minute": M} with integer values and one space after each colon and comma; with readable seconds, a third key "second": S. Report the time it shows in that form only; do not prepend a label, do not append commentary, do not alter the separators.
{"hour": 4, "minute": 38, "second": 38}
